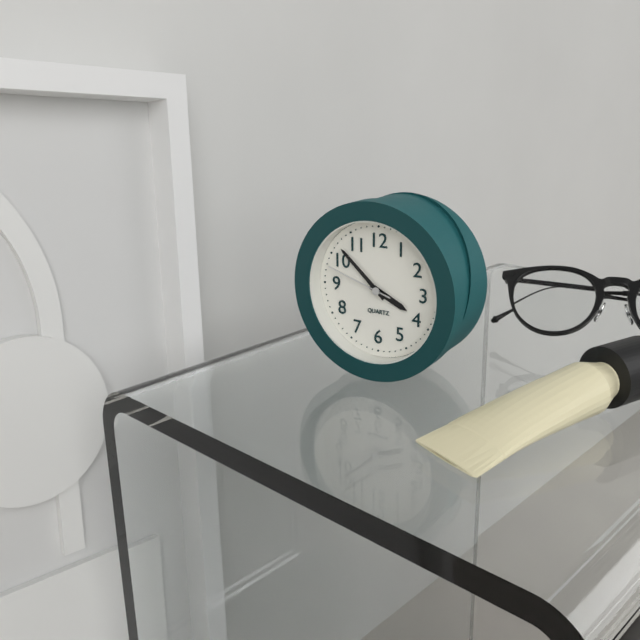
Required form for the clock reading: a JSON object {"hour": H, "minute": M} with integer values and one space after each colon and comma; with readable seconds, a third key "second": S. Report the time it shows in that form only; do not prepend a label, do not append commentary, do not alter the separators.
{"hour": 3, "minute": 52, "second": 48}
